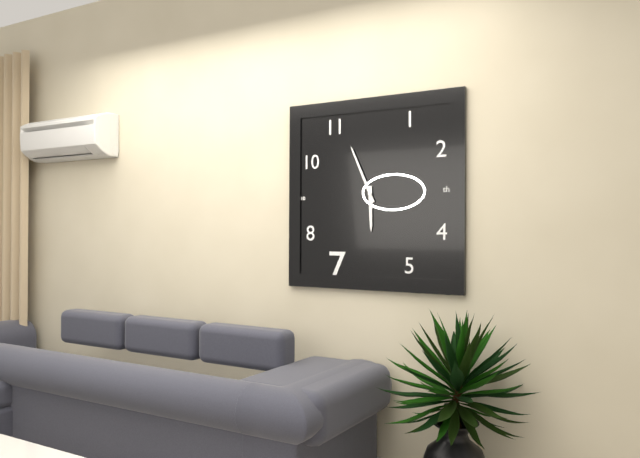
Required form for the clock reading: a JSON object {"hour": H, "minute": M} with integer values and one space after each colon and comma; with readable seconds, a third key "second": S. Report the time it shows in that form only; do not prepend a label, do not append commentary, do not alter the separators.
{"hour": 5, "minute": 56}
